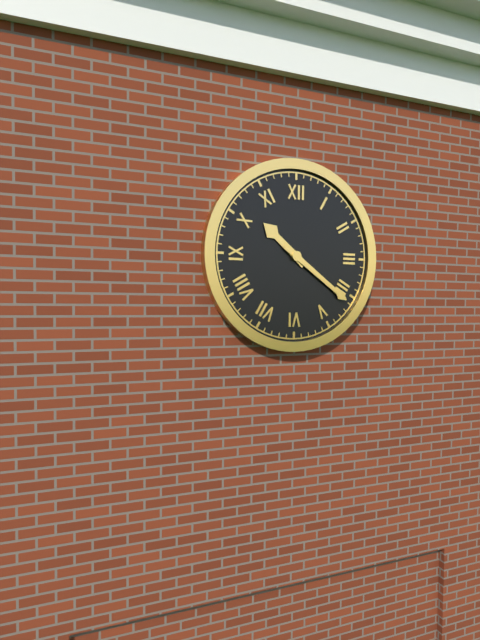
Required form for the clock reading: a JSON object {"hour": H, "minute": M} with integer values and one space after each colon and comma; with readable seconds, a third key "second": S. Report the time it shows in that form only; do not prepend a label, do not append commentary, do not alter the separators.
{"hour": 10, "minute": 21}
